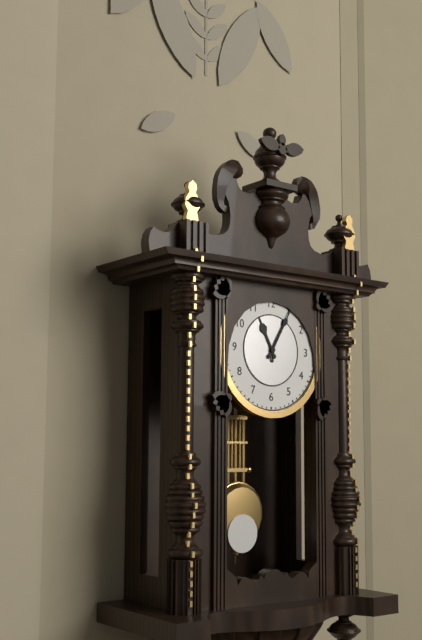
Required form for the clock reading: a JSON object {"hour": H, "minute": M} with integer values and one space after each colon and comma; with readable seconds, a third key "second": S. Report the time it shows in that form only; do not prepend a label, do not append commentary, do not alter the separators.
{"hour": 11, "minute": 5}
